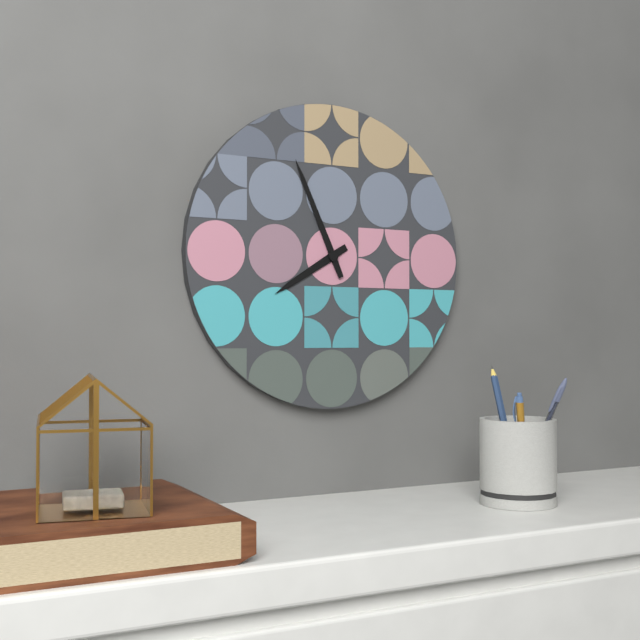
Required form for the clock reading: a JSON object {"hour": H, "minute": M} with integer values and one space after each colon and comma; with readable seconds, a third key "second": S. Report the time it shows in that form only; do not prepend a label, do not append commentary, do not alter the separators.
{"hour": 7, "minute": 56}
